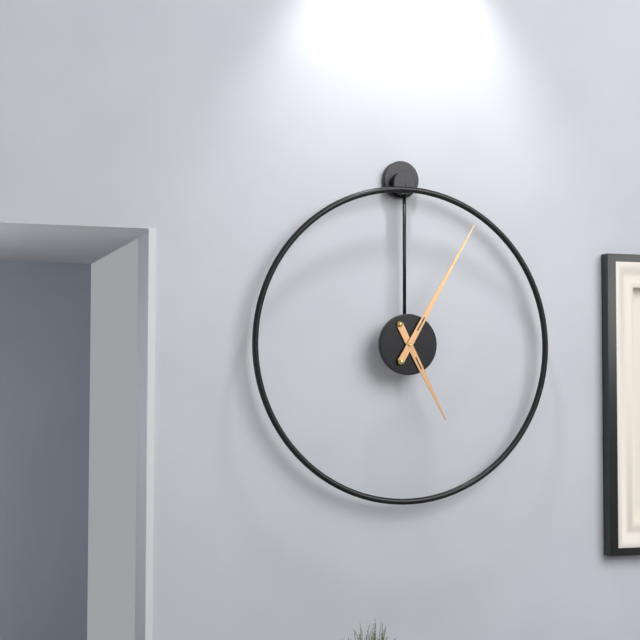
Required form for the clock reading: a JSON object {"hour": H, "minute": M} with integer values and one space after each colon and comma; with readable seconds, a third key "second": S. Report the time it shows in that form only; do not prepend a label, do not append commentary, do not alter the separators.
{"hour": 5, "minute": 5}
